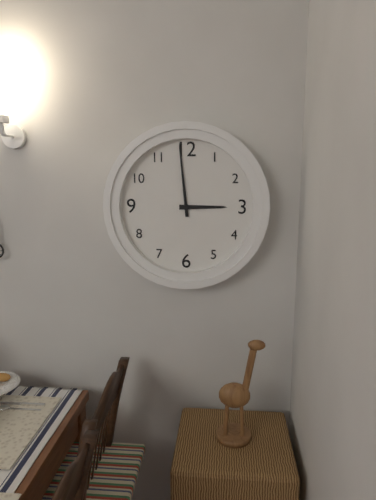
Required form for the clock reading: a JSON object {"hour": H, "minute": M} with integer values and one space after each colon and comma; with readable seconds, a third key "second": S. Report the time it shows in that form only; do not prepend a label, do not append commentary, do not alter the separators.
{"hour": 2, "minute": 59}
